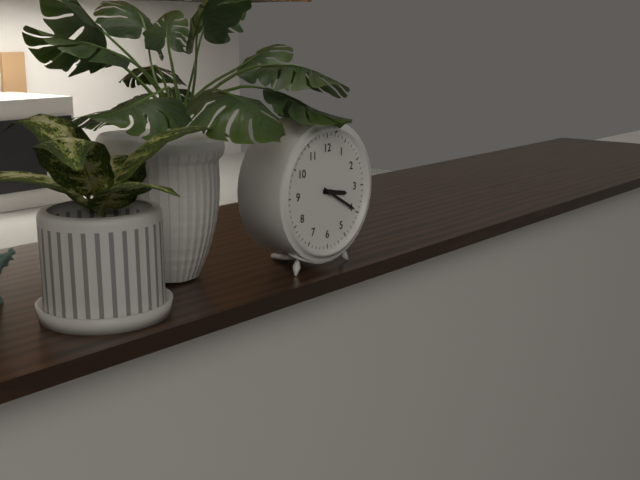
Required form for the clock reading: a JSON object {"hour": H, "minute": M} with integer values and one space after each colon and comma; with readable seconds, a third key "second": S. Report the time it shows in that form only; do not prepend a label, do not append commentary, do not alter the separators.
{"hour": 3, "minute": 20}
